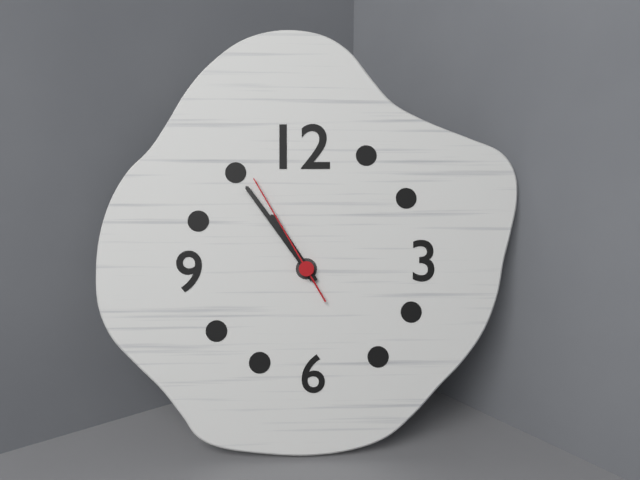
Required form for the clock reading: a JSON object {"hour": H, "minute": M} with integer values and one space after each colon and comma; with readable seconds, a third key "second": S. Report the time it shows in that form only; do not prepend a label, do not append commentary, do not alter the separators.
{"hour": 10, "minute": 54, "second": 55}
